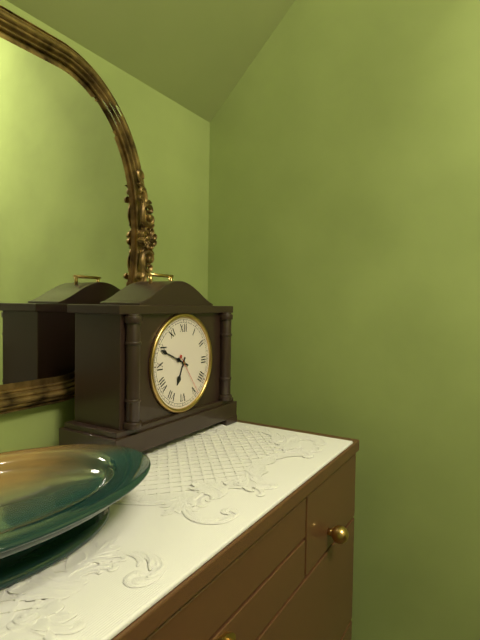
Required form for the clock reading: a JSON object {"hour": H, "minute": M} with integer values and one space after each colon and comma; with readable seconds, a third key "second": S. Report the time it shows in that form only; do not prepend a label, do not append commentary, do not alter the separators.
{"hour": 6, "minute": 49}
